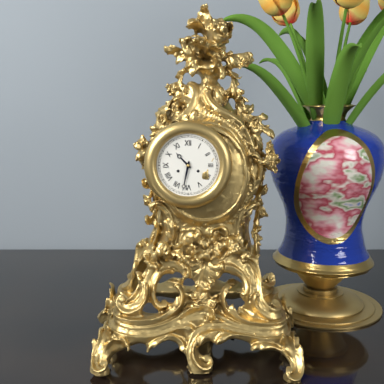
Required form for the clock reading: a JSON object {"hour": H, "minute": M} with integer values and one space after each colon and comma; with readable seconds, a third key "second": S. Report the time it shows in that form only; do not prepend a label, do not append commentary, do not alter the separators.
{"hour": 10, "minute": 32}
